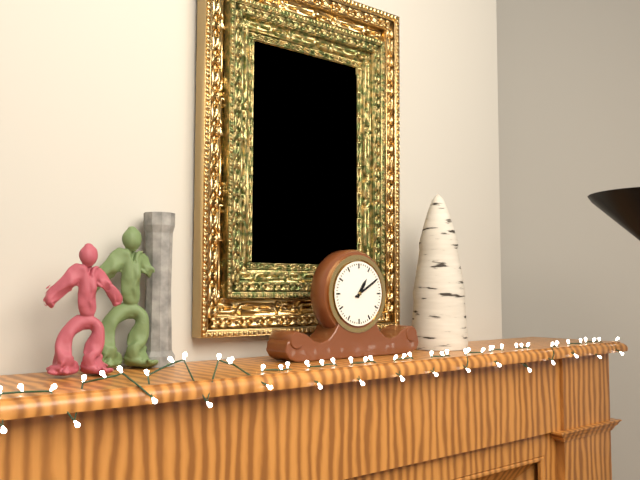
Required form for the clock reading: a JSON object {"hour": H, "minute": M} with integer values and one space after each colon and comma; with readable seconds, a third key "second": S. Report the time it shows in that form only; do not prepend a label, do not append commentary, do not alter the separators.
{"hour": 1, "minute": 10}
